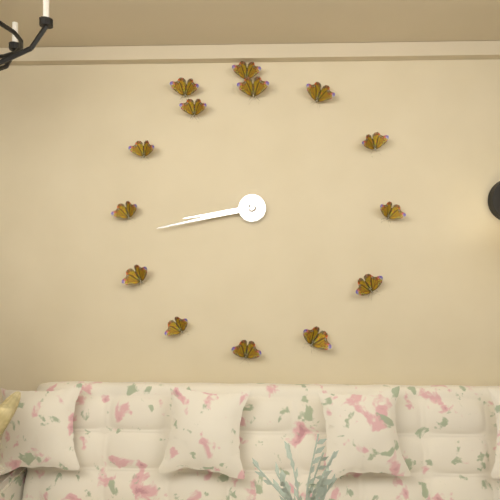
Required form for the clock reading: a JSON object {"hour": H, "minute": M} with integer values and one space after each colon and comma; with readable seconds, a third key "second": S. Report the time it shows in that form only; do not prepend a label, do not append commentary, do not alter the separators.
{"hour": 8, "minute": 43}
